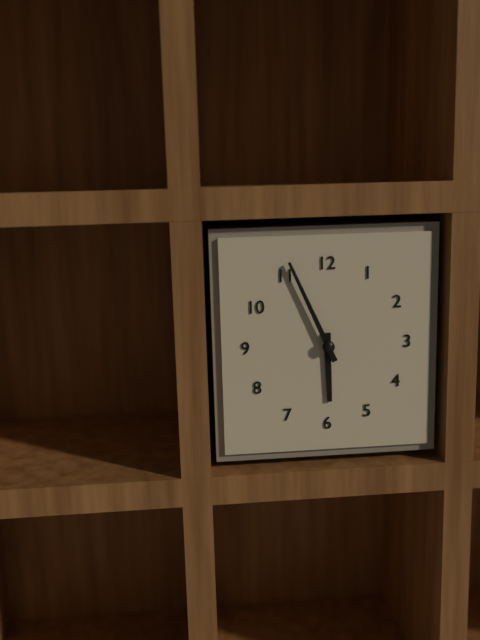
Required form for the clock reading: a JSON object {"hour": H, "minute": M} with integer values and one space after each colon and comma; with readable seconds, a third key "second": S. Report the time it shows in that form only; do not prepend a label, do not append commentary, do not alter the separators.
{"hour": 5, "minute": 56}
